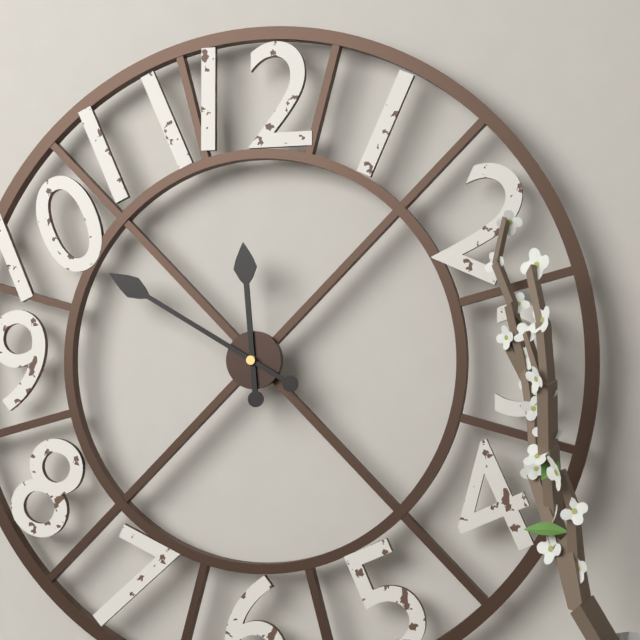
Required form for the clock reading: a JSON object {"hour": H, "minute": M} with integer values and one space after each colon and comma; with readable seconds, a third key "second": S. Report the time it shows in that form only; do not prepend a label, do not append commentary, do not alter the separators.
{"hour": 11, "minute": 50}
